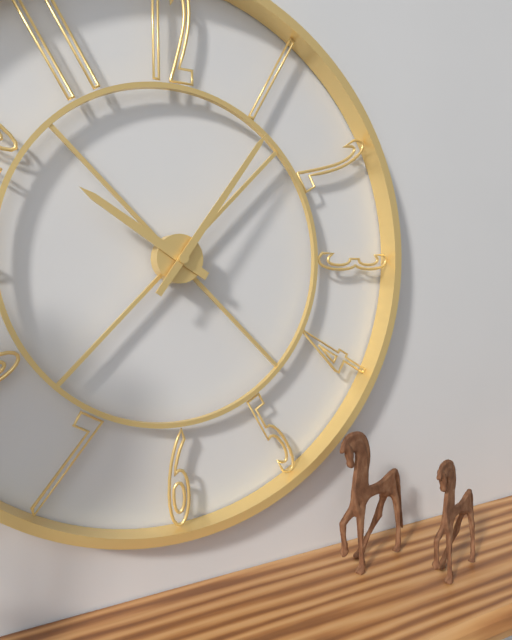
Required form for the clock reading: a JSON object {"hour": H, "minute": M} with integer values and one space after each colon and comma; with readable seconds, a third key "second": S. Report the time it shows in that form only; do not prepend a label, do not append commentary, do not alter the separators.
{"hour": 10, "minute": 6}
